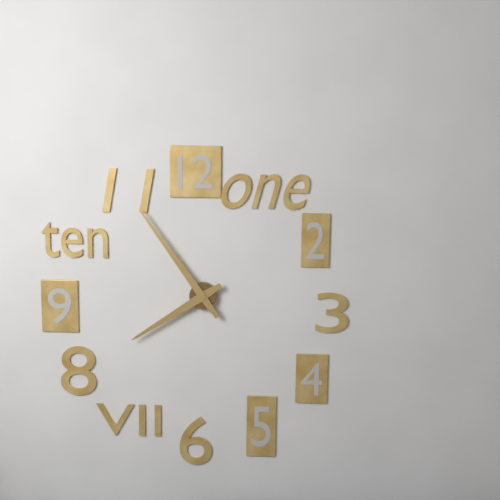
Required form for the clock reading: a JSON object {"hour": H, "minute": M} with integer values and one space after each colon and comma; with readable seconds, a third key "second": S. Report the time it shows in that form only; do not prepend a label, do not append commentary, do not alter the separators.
{"hour": 7, "minute": 54}
